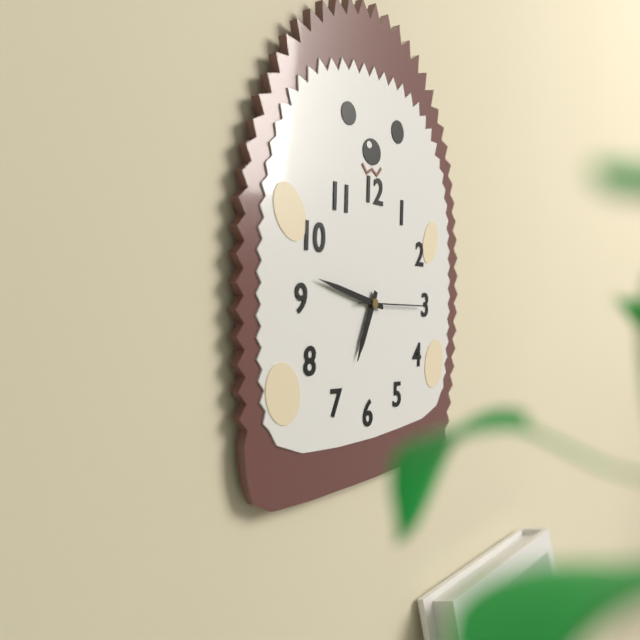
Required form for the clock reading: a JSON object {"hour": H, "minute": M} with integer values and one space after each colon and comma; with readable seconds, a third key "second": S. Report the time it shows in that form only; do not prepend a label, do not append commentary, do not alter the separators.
{"hour": 6, "minute": 47, "second": 15}
